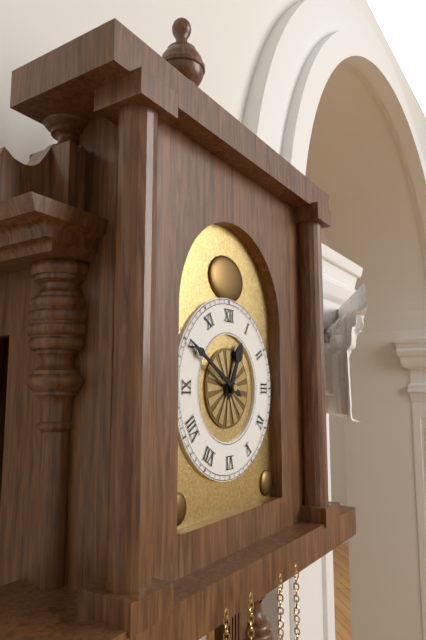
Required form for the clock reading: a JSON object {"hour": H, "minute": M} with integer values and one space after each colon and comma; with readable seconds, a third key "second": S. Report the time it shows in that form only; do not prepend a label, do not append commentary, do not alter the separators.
{"hour": 12, "minute": 50}
